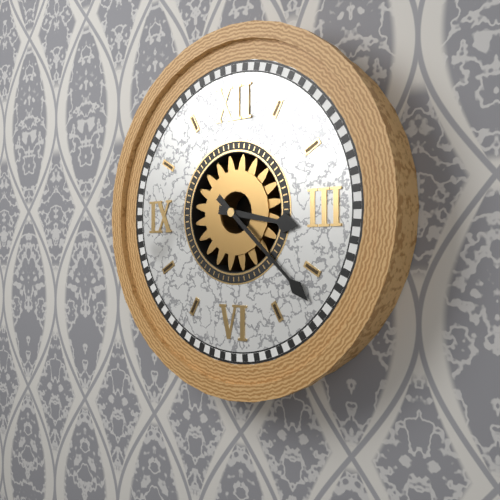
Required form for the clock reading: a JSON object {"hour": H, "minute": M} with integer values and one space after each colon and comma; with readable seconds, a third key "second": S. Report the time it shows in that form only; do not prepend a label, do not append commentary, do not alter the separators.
{"hour": 3, "minute": 22}
